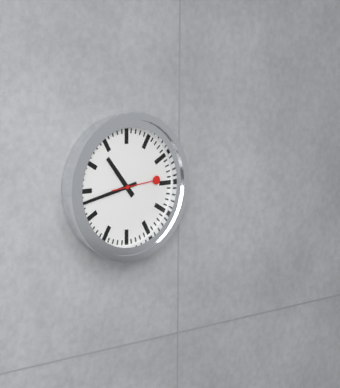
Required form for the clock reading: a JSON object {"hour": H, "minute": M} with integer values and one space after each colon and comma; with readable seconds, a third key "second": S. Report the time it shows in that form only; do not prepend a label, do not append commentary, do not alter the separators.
{"hour": 10, "minute": 43}
